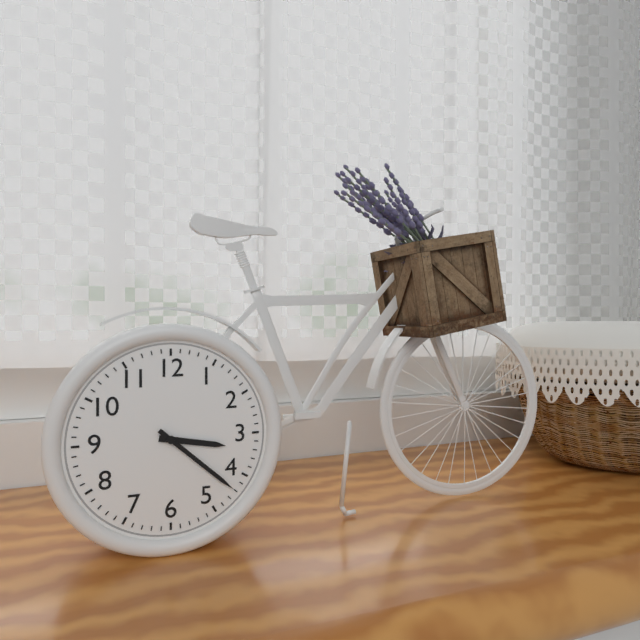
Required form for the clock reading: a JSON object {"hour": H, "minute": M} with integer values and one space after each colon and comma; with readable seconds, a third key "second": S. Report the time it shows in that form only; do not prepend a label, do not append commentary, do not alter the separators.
{"hour": 3, "minute": 22}
